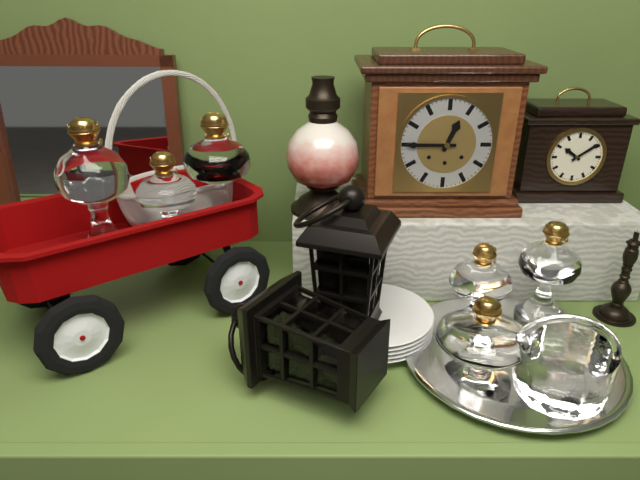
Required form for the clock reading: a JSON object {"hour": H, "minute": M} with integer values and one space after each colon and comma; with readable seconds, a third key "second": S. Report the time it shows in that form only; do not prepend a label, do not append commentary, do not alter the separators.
{"hour": 12, "minute": 45}
